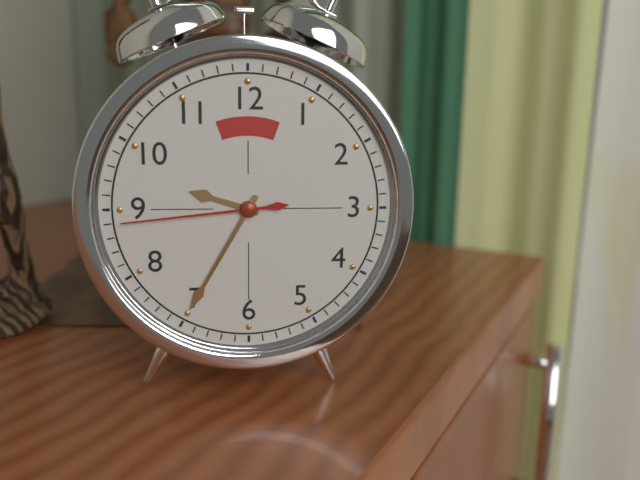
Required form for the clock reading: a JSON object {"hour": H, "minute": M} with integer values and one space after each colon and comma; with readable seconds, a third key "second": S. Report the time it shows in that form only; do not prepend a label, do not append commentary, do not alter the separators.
{"hour": 9, "minute": 35, "second": 44}
